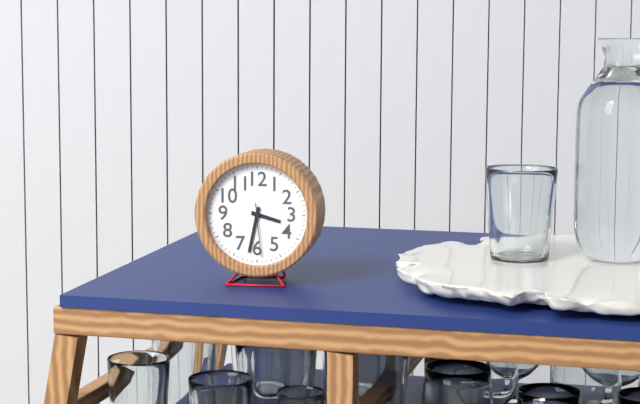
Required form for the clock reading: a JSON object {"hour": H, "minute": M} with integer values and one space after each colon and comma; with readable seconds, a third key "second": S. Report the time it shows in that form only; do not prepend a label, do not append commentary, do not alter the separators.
{"hour": 3, "minute": 32, "second": 29}
